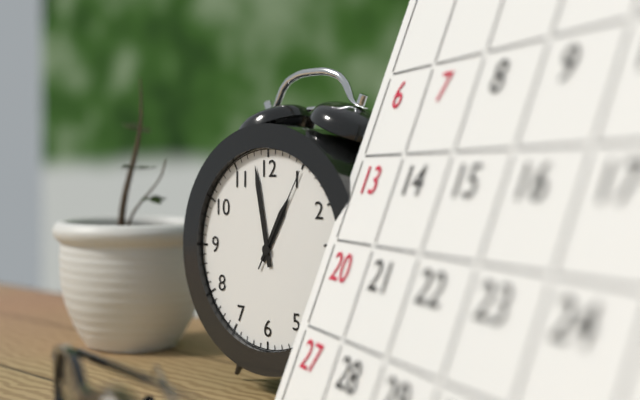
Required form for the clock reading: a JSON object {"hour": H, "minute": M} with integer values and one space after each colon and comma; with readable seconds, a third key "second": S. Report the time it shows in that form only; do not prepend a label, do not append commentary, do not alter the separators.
{"hour": 12, "minute": 58, "second": 5}
